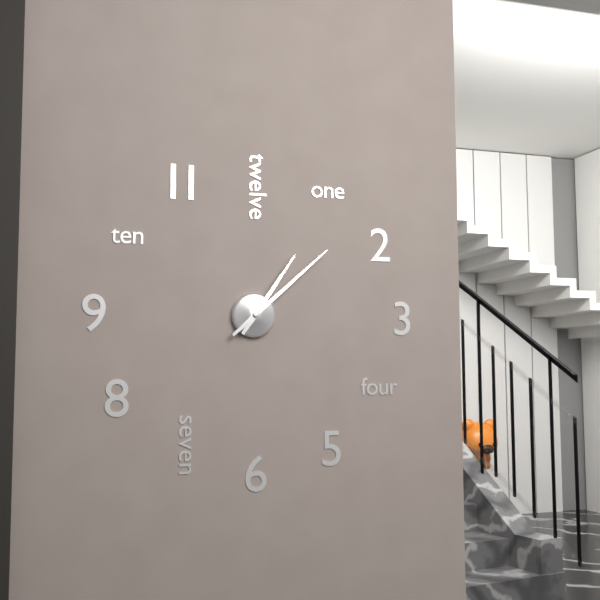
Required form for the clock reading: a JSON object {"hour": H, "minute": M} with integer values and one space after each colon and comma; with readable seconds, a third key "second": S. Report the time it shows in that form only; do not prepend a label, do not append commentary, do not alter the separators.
{"hour": 1, "minute": 8}
